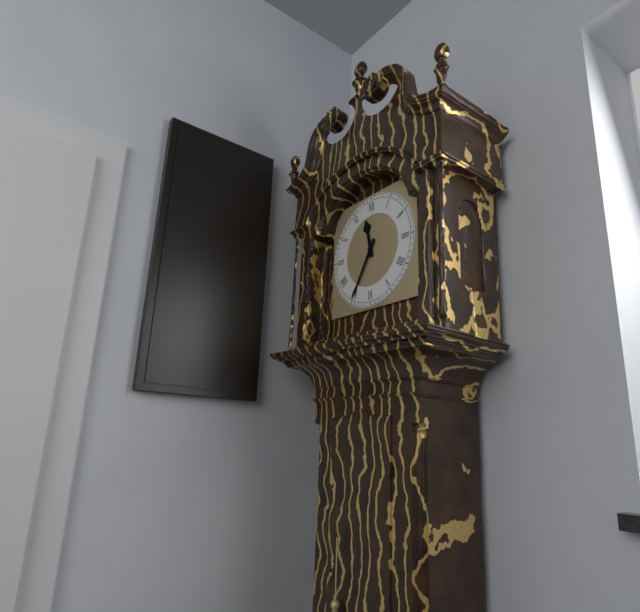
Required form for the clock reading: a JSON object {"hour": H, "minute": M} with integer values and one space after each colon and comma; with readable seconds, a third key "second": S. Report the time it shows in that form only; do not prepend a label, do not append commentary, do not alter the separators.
{"hour": 11, "minute": 35}
